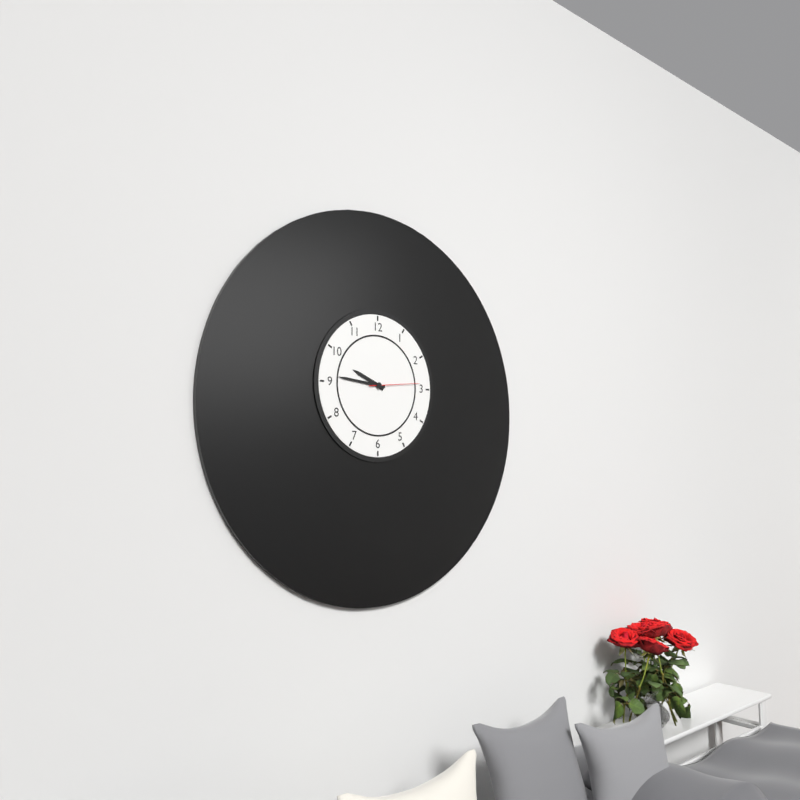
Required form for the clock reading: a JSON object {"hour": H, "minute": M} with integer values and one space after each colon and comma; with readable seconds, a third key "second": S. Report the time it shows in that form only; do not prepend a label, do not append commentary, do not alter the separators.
{"hour": 9, "minute": 46, "second": 14}
